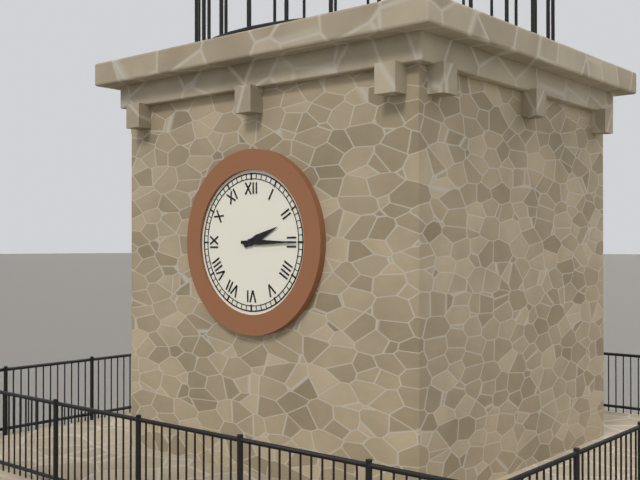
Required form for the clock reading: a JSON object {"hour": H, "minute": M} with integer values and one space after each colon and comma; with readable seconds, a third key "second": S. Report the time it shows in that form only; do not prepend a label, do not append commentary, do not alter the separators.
{"hour": 2, "minute": 15}
